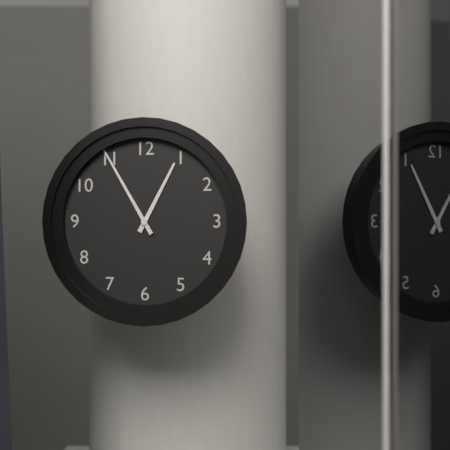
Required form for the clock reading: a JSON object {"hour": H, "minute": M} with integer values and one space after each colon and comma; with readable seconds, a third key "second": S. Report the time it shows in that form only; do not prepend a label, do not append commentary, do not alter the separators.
{"hour": 12, "minute": 55}
